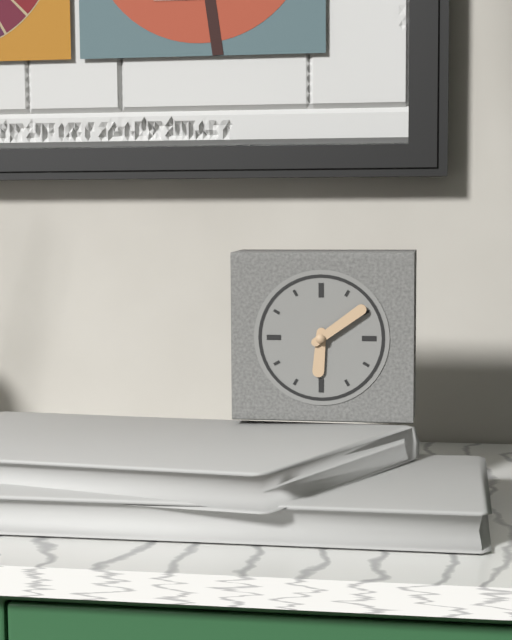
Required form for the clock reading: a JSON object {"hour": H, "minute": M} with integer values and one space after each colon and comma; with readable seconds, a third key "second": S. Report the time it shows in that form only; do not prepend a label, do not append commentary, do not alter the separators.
{"hour": 6, "minute": 9}
